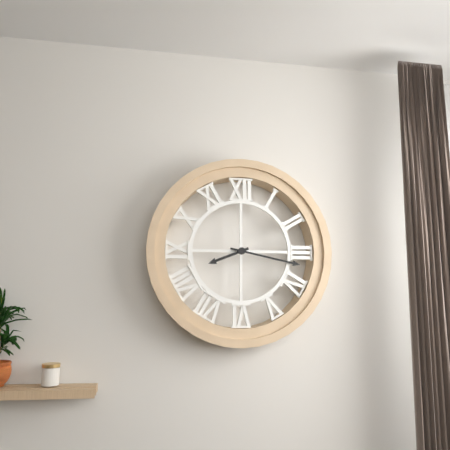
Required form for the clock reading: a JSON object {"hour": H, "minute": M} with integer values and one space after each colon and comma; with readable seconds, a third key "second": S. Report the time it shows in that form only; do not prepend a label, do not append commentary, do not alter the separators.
{"hour": 8, "minute": 17}
